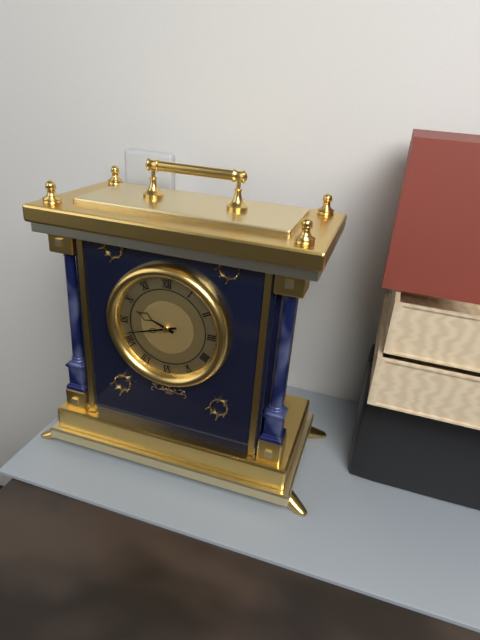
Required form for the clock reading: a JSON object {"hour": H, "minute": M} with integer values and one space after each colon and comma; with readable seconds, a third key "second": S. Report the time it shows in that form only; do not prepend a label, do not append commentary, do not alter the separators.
{"hour": 9, "minute": 42}
